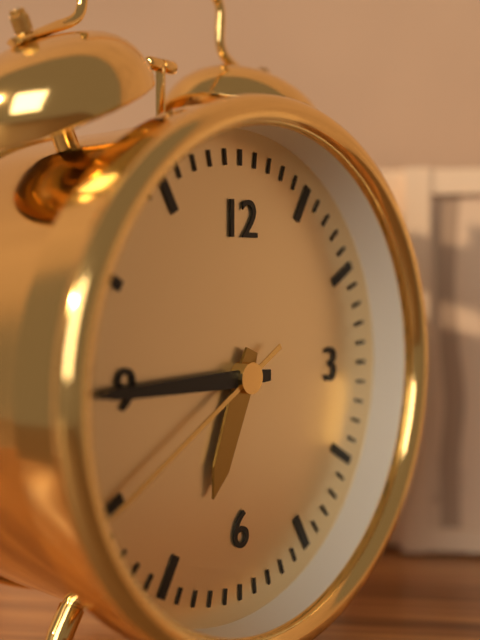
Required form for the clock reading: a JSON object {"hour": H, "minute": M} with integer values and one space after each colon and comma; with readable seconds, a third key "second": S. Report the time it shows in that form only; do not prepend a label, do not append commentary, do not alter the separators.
{"hour": 6, "minute": 45, "second": 40}
